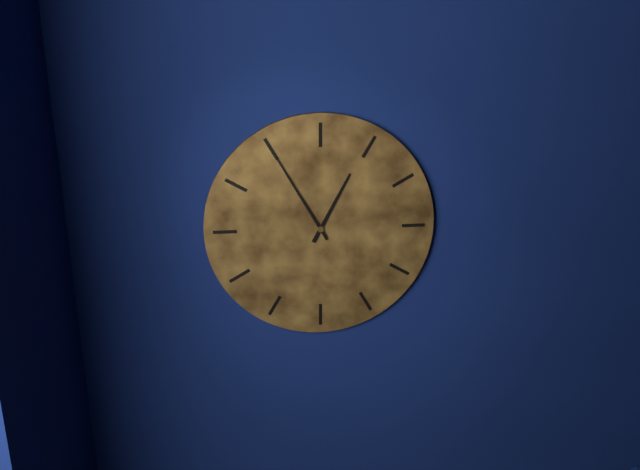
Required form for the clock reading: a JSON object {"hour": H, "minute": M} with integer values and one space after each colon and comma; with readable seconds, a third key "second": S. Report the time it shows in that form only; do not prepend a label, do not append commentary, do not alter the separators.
{"hour": 12, "minute": 55}
